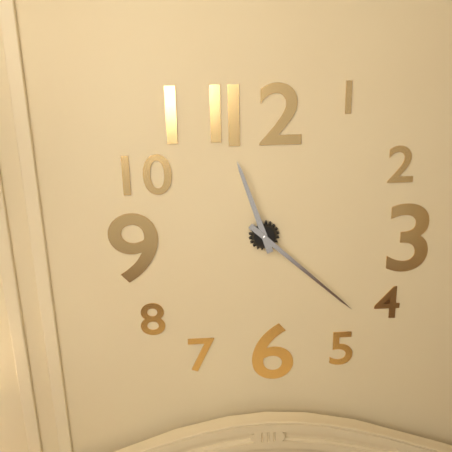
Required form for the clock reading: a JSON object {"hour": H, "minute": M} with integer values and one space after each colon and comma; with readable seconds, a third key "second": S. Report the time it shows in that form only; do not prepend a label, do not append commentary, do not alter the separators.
{"hour": 11, "minute": 22}
